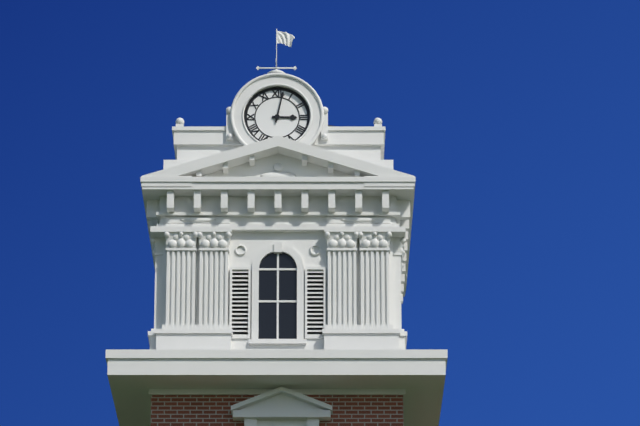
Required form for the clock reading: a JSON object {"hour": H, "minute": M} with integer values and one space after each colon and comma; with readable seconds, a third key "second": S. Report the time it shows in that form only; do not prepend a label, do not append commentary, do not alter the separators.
{"hour": 3, "minute": 2}
